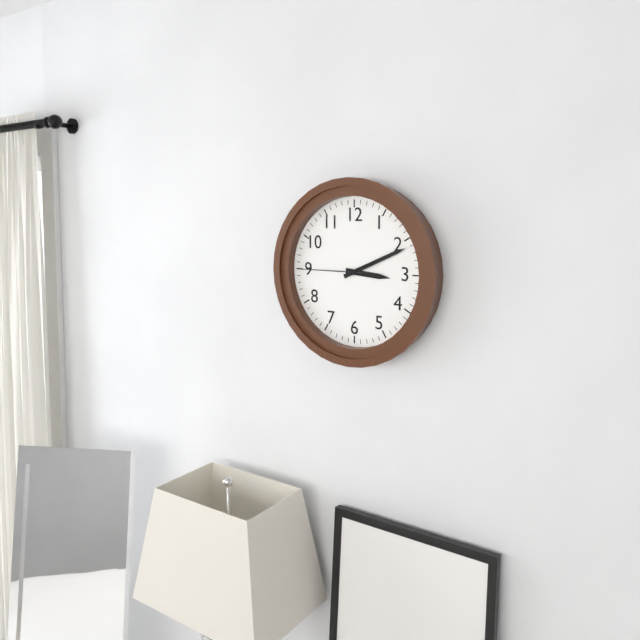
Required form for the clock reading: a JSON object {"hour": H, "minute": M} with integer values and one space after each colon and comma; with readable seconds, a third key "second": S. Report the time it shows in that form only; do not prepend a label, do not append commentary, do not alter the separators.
{"hour": 3, "minute": 11, "second": 45}
